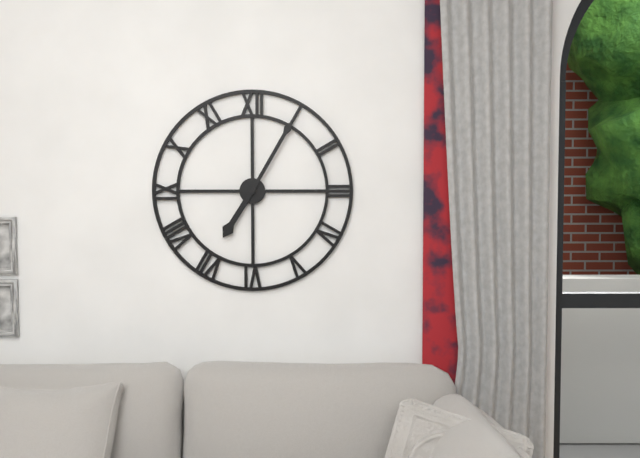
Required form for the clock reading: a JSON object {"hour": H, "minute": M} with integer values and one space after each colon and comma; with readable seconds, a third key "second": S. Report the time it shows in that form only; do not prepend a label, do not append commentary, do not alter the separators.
{"hour": 7, "minute": 5}
